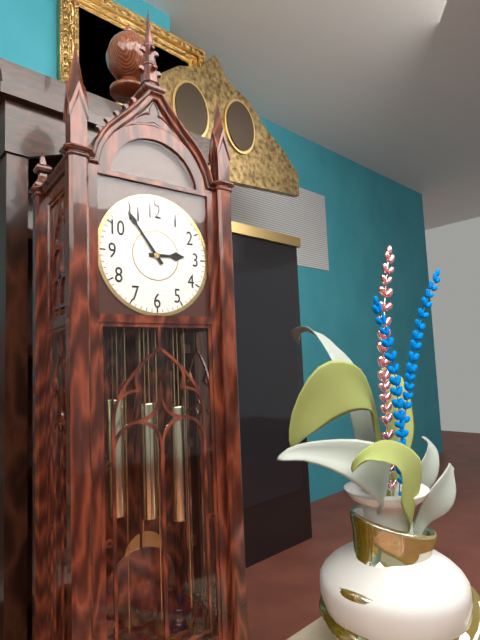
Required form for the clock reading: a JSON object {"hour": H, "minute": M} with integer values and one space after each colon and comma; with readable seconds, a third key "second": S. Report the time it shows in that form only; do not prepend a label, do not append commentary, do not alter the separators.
{"hour": 2, "minute": 54}
